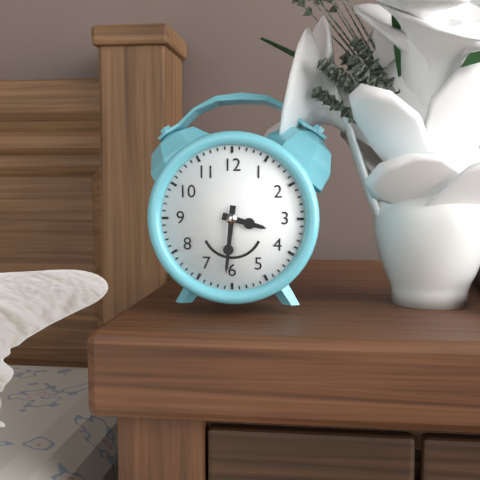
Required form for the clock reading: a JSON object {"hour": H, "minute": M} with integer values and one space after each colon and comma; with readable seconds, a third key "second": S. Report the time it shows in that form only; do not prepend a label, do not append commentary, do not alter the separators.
{"hour": 3, "minute": 31}
